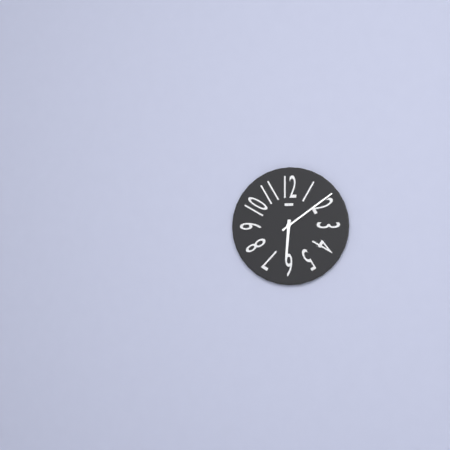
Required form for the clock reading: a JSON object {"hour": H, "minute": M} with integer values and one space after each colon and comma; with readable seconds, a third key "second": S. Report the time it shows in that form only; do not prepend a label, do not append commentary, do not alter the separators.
{"hour": 6, "minute": 9}
